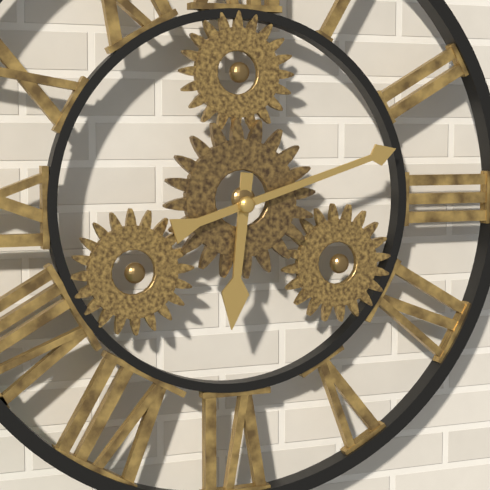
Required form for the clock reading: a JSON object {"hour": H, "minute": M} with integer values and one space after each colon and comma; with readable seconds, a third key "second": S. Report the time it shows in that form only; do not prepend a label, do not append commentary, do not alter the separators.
{"hour": 6, "minute": 12}
